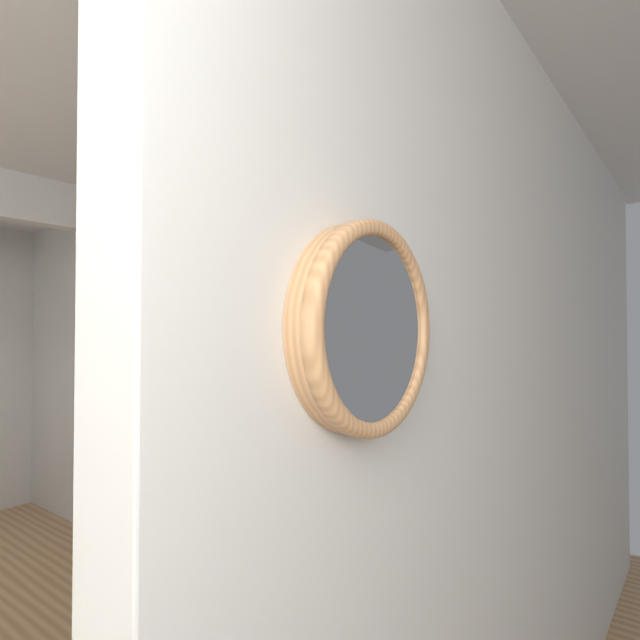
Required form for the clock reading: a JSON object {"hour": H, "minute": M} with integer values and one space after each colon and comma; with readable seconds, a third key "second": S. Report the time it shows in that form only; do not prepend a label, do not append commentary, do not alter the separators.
{"hour": 9, "minute": 49}
